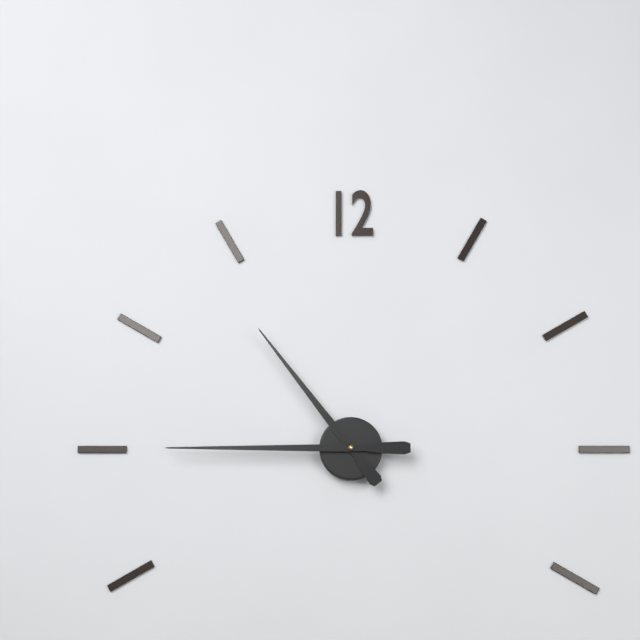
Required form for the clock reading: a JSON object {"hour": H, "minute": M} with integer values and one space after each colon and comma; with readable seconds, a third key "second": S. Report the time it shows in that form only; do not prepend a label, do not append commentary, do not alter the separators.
{"hour": 10, "minute": 45}
